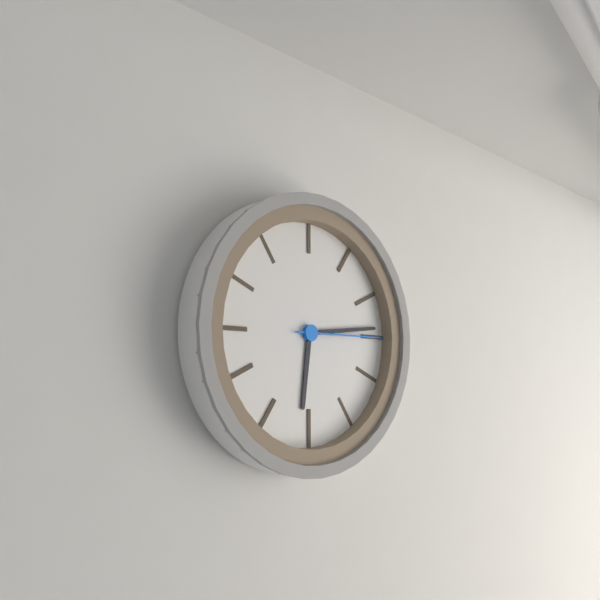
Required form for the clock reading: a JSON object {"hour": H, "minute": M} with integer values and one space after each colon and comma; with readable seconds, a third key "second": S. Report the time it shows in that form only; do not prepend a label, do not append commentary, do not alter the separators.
{"hour": 6, "minute": 14, "second": 15}
